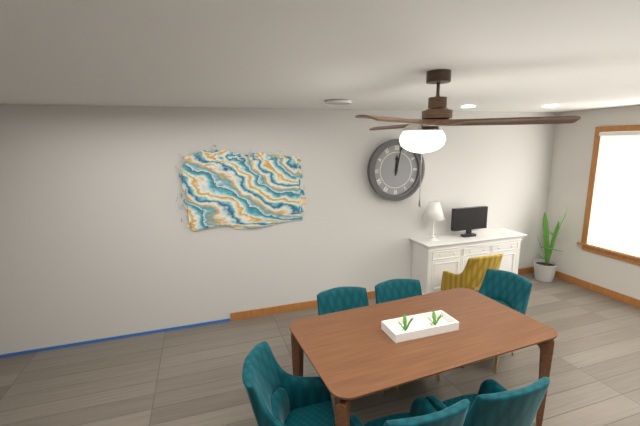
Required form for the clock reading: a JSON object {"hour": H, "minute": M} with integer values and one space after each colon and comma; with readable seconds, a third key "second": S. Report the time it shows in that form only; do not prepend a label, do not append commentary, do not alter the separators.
{"hour": 12, "minute": 2}
